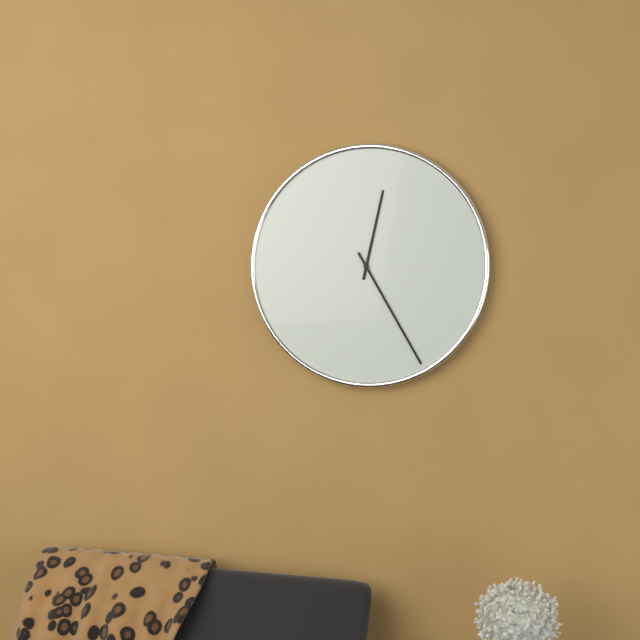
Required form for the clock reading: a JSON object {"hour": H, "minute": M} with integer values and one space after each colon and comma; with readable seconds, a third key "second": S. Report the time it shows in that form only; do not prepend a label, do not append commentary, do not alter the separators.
{"hour": 12, "minute": 25}
